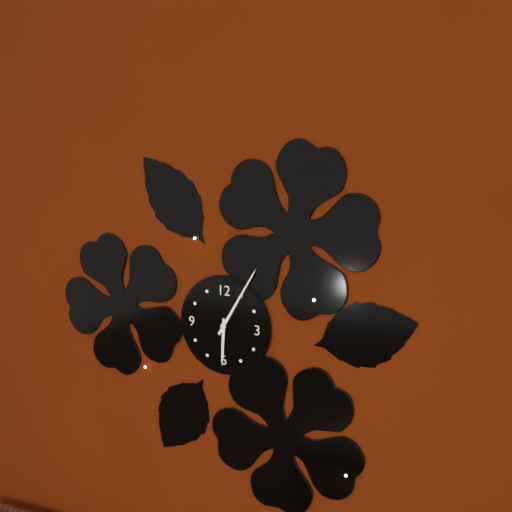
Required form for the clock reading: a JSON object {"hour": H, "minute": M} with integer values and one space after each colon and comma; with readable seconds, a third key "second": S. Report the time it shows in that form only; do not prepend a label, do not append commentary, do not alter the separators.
{"hour": 6, "minute": 5}
